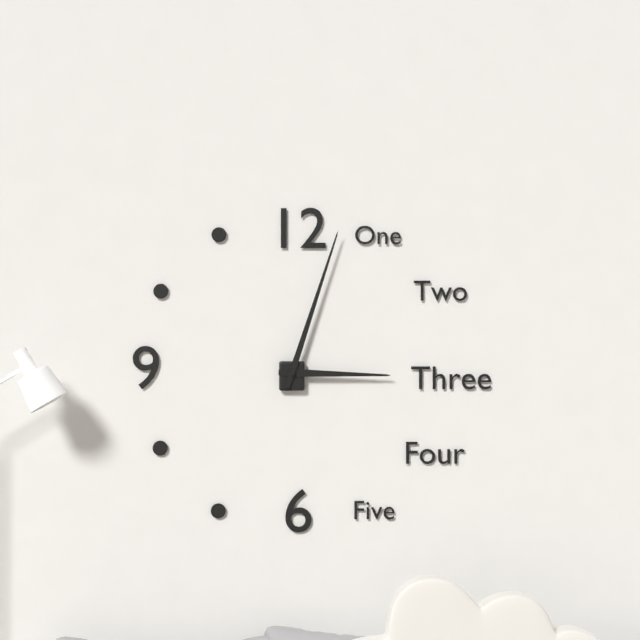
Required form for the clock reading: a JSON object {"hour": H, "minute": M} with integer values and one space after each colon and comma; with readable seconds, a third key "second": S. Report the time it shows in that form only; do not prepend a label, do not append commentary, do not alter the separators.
{"hour": 3, "minute": 3}
